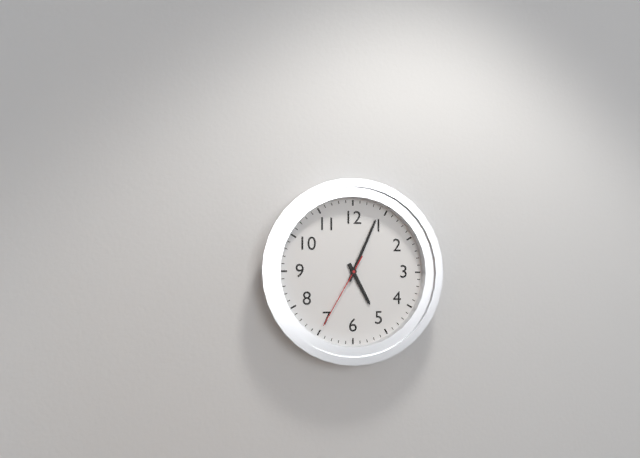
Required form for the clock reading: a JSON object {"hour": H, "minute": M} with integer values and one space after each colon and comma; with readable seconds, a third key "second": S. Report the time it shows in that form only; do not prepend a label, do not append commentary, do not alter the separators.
{"hour": 5, "minute": 4, "second": 35}
